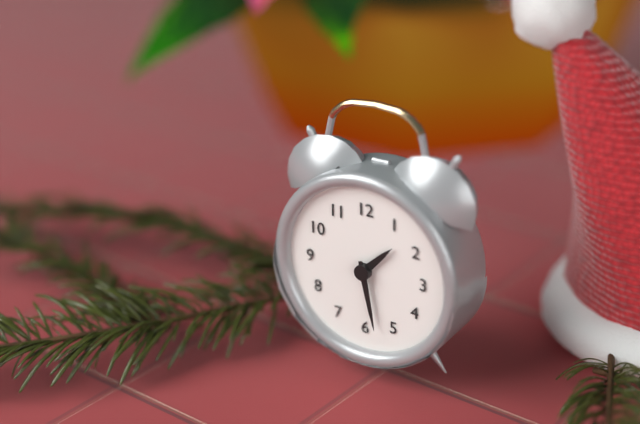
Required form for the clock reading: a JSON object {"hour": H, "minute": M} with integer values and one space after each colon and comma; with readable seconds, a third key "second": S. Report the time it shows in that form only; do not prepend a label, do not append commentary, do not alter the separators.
{"hour": 1, "minute": 28}
